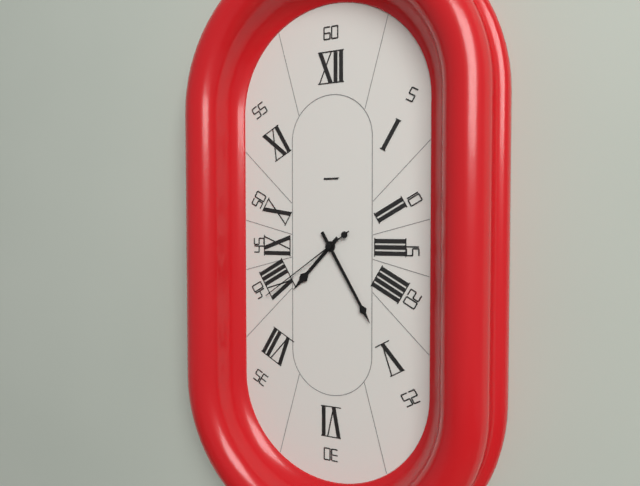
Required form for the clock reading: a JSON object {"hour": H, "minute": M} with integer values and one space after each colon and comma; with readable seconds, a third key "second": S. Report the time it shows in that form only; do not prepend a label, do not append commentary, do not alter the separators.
{"hour": 7, "minute": 25, "second": 39}
